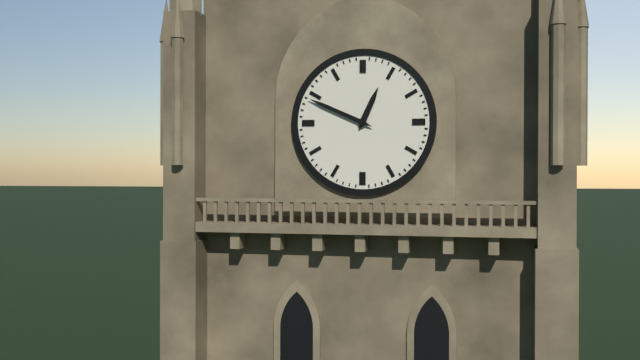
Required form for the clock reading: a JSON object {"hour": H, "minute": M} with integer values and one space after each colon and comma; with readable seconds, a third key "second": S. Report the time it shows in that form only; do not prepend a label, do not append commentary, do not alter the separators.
{"hour": 12, "minute": 49}
